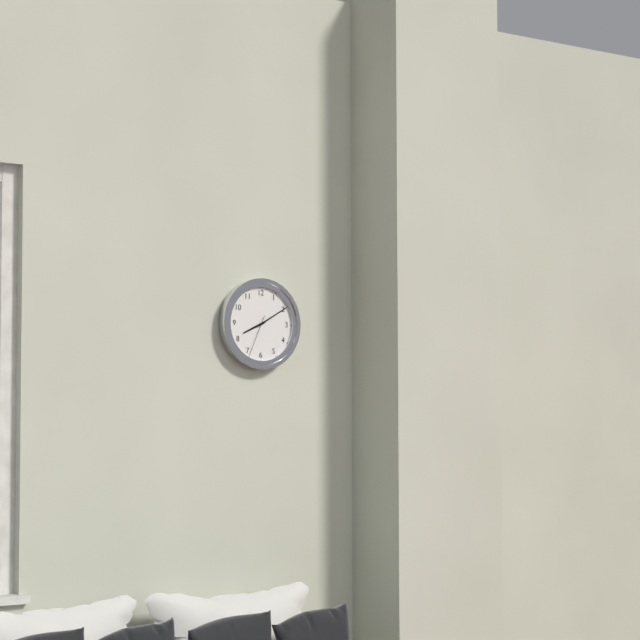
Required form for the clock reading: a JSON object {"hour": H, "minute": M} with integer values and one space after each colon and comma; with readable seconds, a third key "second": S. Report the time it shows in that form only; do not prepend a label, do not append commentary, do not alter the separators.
{"hour": 8, "minute": 10}
